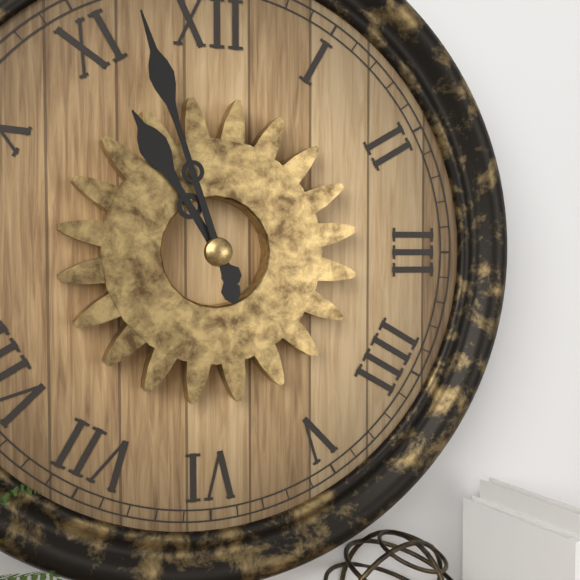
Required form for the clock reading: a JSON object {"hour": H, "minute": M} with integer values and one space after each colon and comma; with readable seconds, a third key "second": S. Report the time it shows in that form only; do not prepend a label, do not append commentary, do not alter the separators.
{"hour": 10, "minute": 57}
